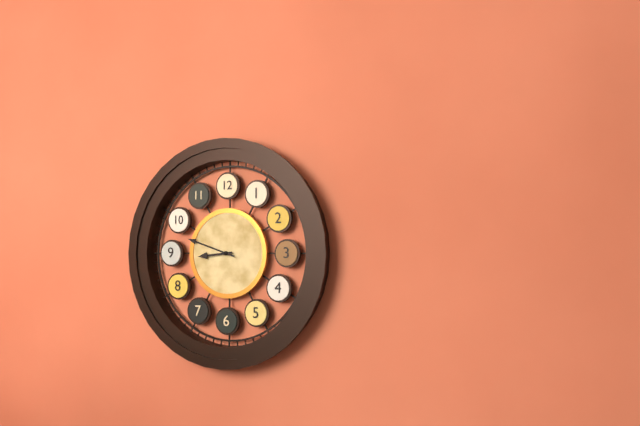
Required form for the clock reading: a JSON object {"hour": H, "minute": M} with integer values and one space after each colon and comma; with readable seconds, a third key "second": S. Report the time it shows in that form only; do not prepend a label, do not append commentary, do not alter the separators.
{"hour": 8, "minute": 48}
